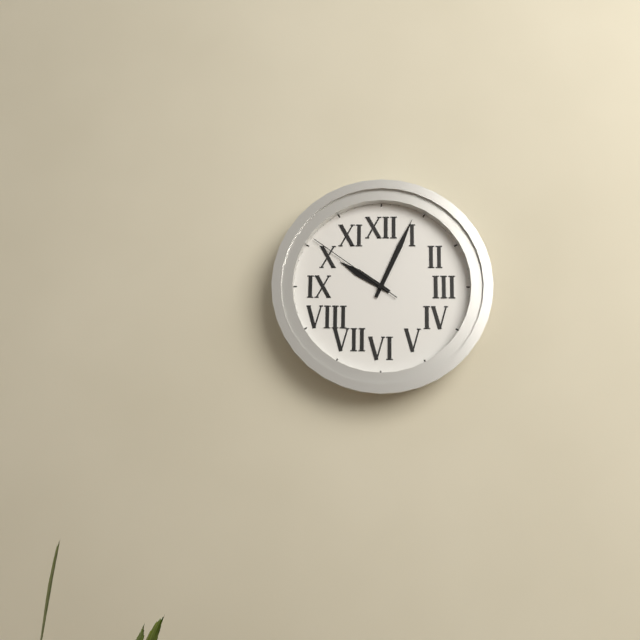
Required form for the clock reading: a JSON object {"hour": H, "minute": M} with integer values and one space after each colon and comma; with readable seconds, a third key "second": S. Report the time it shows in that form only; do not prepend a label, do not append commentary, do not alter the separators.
{"hour": 10, "minute": 4, "second": 51}
